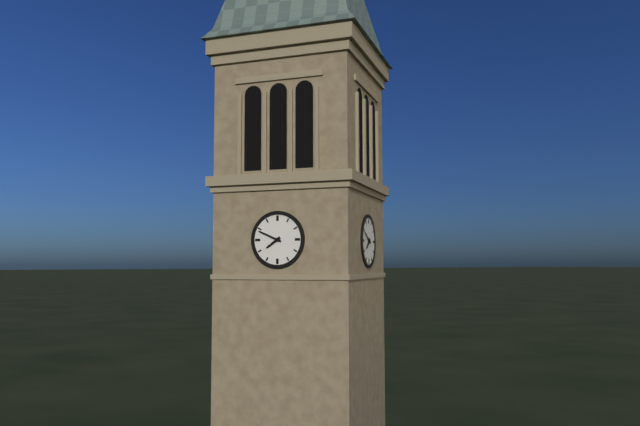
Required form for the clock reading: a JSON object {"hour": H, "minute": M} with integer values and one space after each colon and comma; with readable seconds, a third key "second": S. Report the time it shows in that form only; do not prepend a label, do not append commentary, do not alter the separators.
{"hour": 7, "minute": 49}
